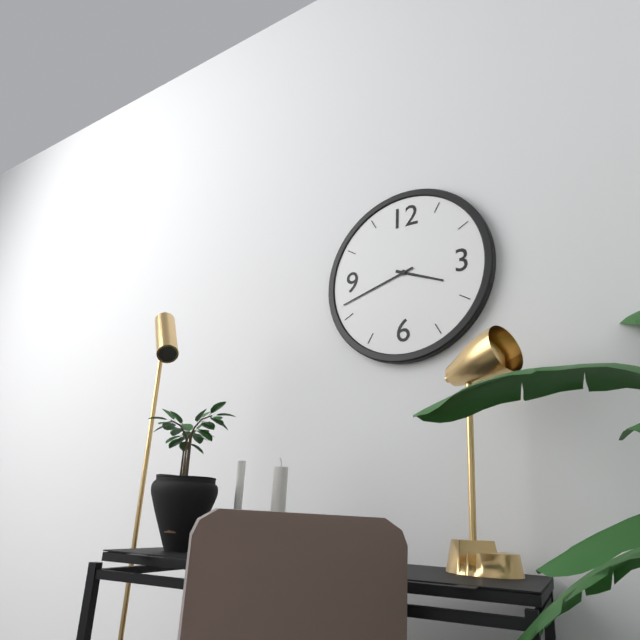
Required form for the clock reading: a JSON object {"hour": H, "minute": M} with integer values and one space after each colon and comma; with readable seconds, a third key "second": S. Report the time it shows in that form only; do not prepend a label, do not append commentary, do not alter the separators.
{"hour": 3, "minute": 42}
